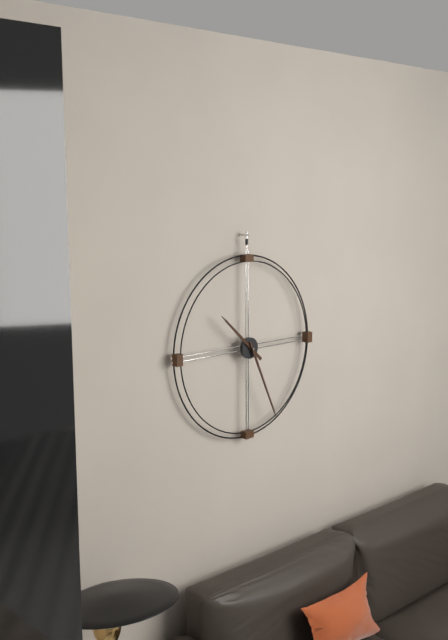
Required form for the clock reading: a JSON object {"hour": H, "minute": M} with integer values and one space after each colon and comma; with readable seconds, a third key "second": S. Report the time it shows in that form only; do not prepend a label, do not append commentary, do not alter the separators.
{"hour": 10, "minute": 26}
